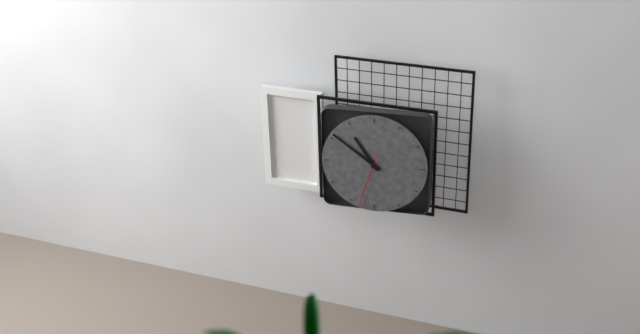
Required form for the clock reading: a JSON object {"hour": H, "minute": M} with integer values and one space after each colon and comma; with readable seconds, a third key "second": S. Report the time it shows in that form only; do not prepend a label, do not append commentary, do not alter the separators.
{"hour": 10, "minute": 51, "second": 33}
